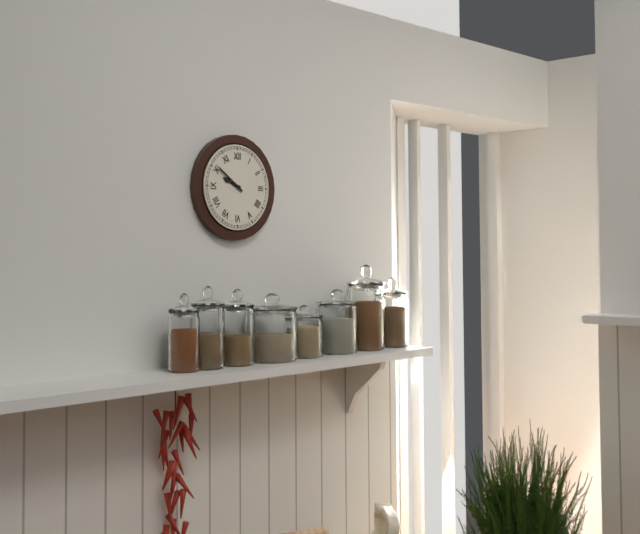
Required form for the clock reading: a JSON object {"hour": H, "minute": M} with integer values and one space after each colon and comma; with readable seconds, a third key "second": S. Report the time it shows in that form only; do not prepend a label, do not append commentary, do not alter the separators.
{"hour": 9, "minute": 51}
